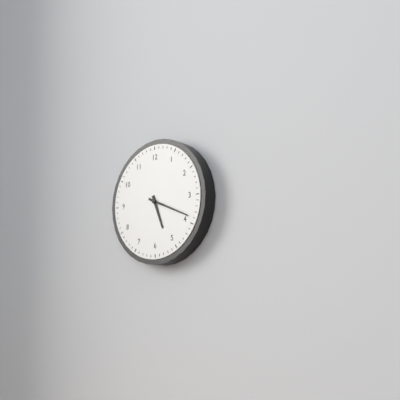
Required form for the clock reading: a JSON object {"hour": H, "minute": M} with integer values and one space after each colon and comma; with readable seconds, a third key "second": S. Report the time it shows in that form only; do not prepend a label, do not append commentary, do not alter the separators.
{"hour": 5, "minute": 19}
